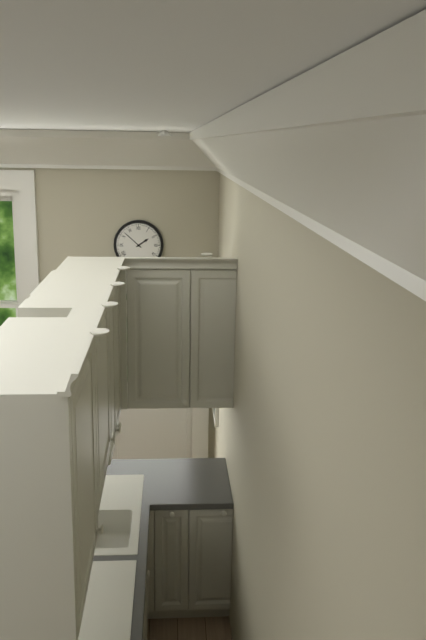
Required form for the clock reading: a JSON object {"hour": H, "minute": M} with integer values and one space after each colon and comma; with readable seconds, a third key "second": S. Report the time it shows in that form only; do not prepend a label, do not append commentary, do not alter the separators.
{"hour": 1, "minute": 52}
